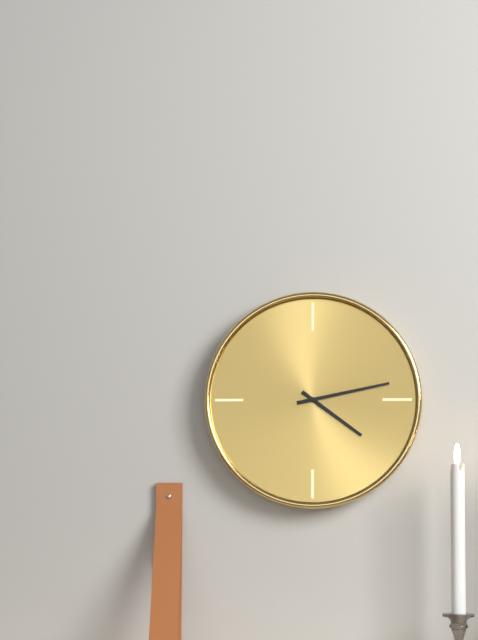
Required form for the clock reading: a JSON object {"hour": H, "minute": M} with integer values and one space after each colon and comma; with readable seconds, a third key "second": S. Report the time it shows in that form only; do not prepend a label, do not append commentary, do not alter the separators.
{"hour": 4, "minute": 13}
